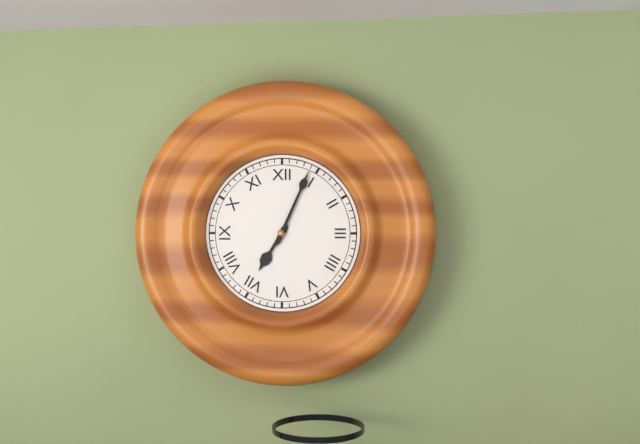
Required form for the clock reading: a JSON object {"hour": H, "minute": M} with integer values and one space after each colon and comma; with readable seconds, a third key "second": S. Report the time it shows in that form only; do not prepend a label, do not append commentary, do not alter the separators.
{"hour": 7, "minute": 4}
